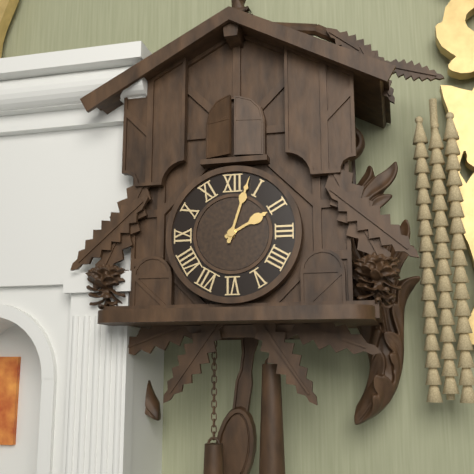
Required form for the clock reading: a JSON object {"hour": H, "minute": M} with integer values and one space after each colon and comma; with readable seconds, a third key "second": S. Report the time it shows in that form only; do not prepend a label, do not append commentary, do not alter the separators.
{"hour": 2, "minute": 3}
